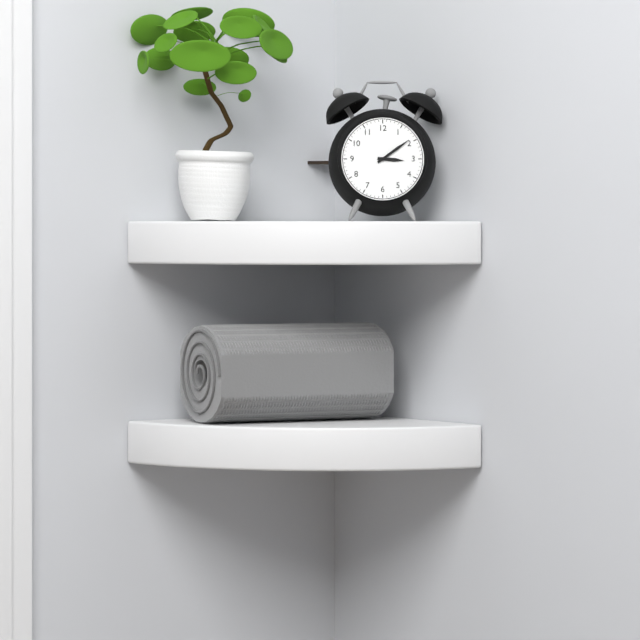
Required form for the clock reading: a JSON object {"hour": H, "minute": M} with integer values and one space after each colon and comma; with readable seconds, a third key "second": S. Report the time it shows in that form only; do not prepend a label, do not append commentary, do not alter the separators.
{"hour": 3, "minute": 9}
